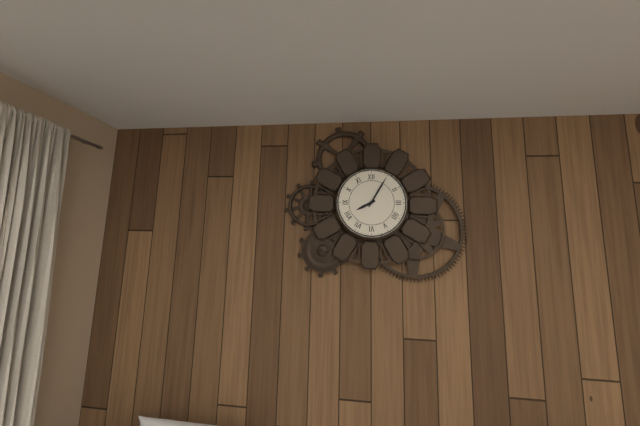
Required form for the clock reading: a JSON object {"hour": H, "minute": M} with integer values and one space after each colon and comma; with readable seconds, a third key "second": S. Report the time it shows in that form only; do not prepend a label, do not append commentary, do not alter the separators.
{"hour": 8, "minute": 5}
